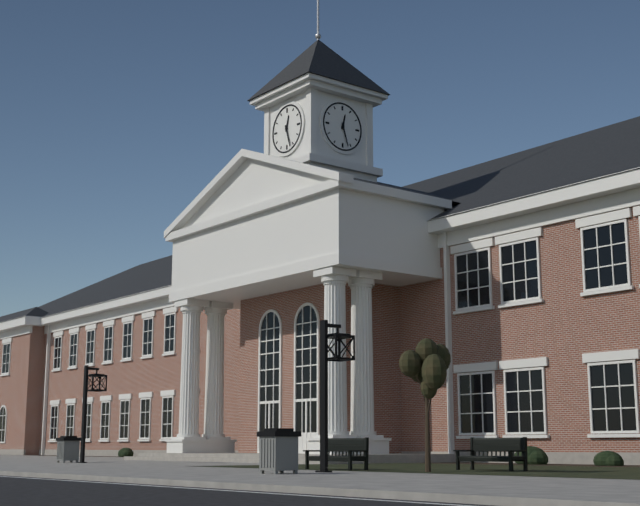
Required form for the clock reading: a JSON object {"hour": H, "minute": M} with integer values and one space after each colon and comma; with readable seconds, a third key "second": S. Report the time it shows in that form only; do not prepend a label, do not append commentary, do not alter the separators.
{"hour": 12, "minute": 27}
